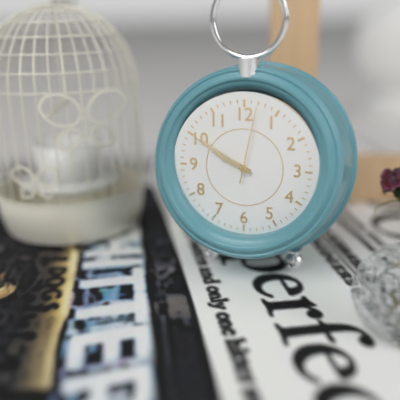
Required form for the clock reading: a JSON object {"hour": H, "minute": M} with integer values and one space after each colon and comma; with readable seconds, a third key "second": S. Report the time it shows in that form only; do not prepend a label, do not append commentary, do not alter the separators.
{"hour": 9, "minute": 50, "second": 2}
